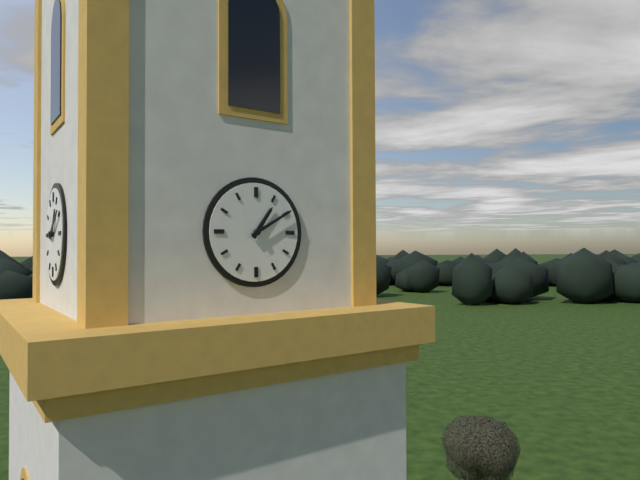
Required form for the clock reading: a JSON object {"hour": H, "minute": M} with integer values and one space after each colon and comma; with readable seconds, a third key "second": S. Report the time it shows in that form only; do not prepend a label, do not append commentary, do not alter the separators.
{"hour": 1, "minute": 10}
